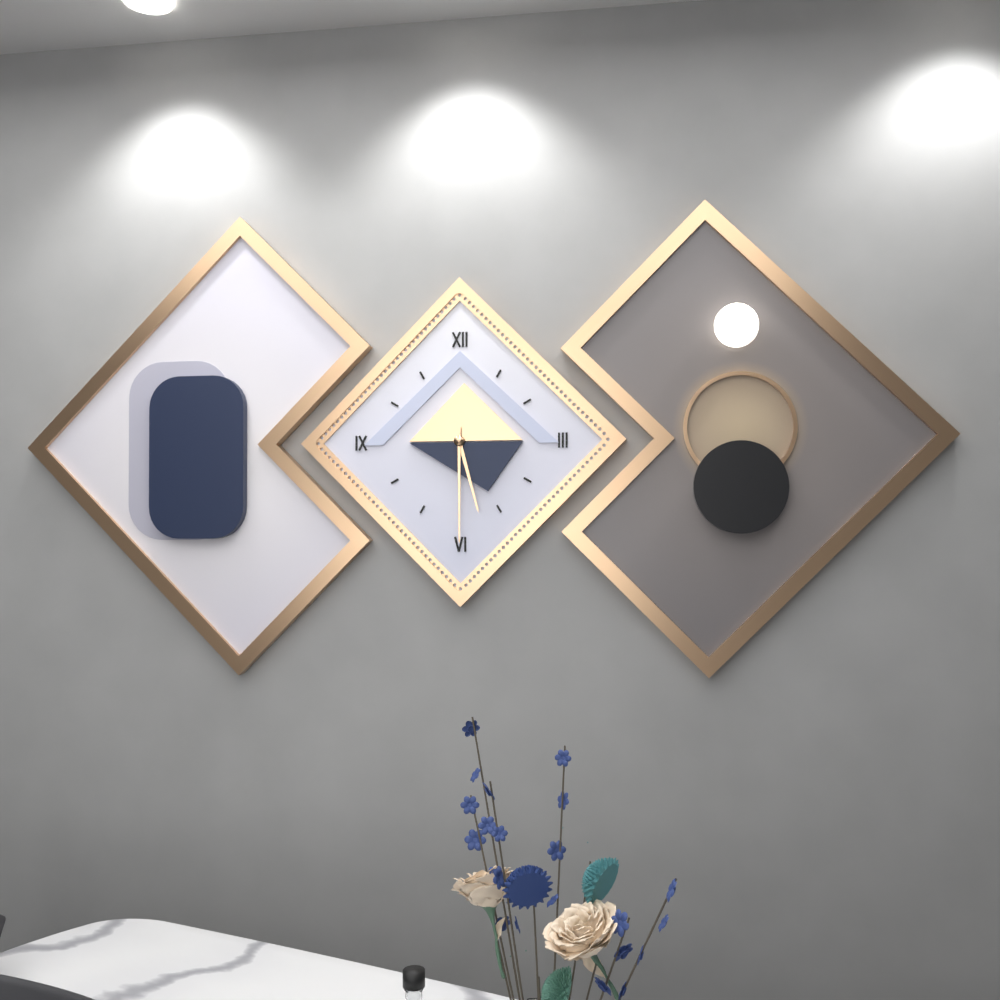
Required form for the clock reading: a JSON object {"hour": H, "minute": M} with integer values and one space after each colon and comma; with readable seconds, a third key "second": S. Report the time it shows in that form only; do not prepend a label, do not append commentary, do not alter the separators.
{"hour": 5, "minute": 30}
